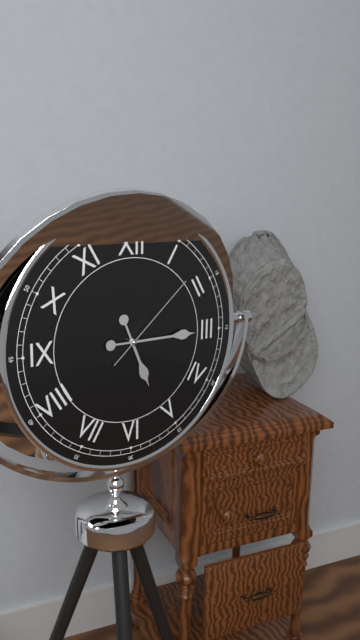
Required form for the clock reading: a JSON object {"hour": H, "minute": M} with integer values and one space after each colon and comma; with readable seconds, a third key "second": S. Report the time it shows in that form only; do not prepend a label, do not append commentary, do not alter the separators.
{"hour": 5, "minute": 15, "second": 8}
